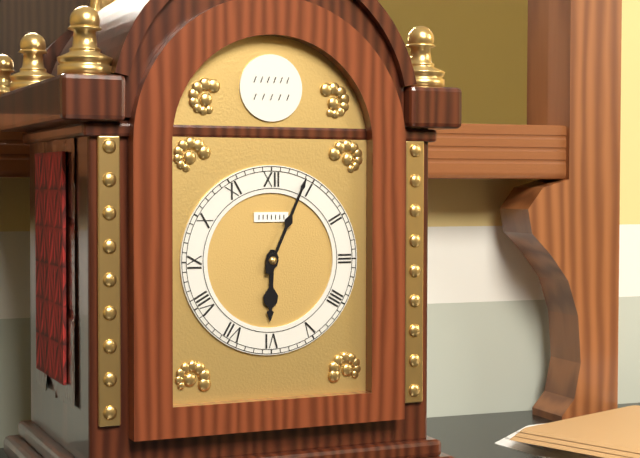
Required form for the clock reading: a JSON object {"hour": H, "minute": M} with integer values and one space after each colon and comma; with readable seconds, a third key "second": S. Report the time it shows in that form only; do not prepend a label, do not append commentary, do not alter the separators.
{"hour": 6, "minute": 4}
